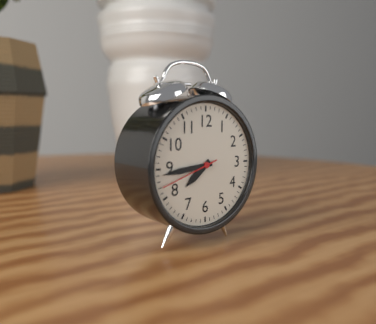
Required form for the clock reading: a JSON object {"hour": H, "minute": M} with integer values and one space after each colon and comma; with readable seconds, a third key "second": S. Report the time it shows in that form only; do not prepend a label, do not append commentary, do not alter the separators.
{"hour": 7, "minute": 44}
